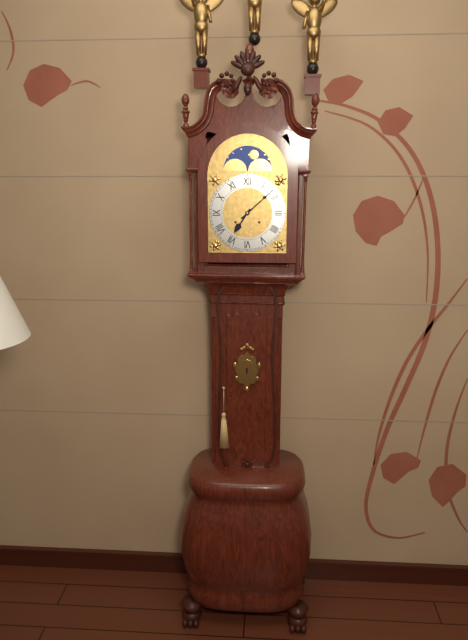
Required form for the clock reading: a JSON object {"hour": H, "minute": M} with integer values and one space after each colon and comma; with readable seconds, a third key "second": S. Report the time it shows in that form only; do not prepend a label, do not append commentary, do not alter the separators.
{"hour": 7, "minute": 8}
